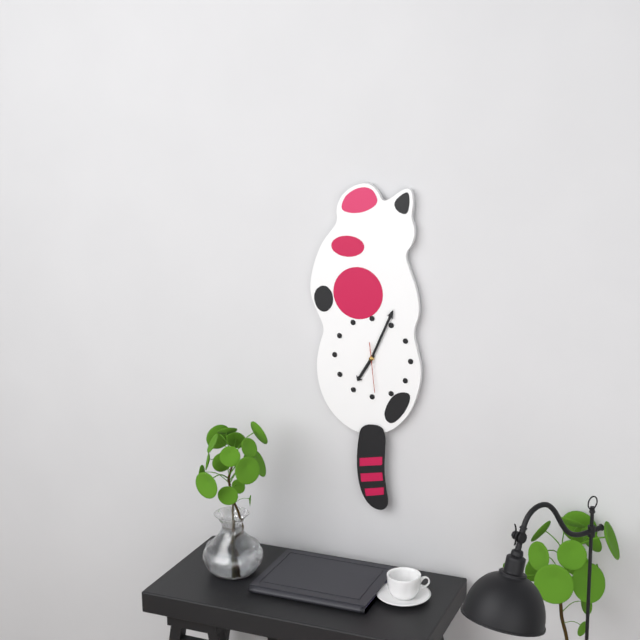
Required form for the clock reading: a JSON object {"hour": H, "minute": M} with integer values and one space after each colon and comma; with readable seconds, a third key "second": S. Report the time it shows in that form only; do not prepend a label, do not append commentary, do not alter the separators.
{"hour": 7, "minute": 4}
